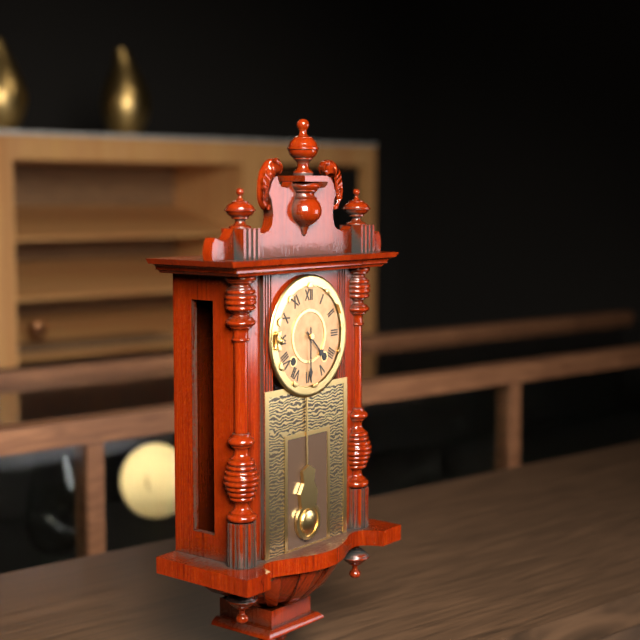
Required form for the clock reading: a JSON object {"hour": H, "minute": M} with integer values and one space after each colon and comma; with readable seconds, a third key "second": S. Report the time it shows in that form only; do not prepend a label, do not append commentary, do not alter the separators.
{"hour": 4, "minute": 30}
